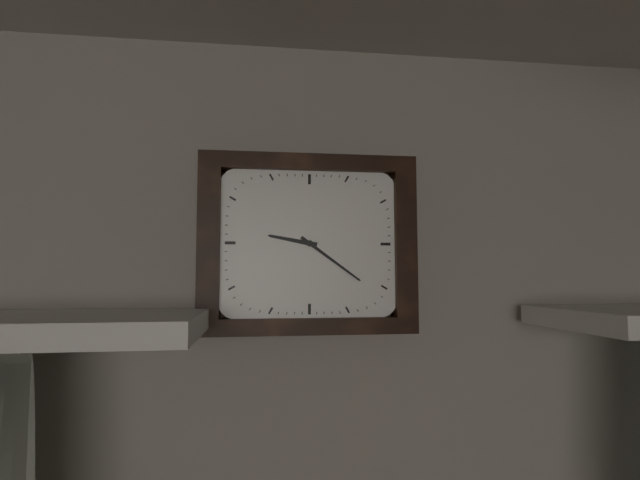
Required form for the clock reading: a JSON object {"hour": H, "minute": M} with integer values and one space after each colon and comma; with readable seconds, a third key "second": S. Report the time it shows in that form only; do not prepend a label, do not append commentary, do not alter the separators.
{"hour": 9, "minute": 21}
